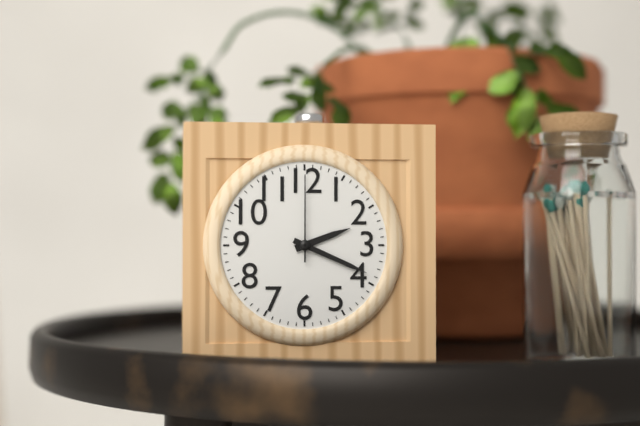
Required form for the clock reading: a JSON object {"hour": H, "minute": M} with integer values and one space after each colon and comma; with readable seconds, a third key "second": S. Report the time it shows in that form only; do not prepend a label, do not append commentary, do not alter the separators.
{"hour": 2, "minute": 19, "second": 0}
